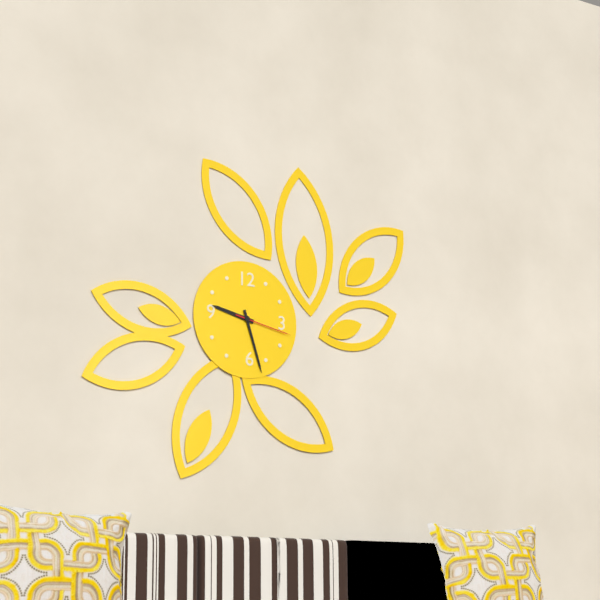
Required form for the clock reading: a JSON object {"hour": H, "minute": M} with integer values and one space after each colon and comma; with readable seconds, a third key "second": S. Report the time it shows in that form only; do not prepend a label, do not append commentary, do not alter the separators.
{"hour": 9, "minute": 27, "second": 17}
